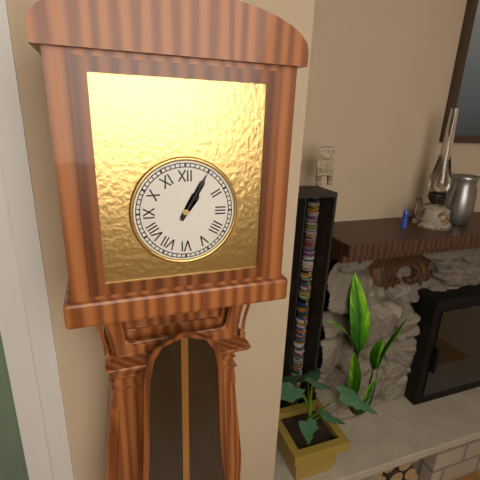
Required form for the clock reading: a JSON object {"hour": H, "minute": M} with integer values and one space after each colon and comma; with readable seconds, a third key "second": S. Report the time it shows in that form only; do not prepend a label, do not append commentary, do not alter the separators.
{"hour": 1, "minute": 5}
